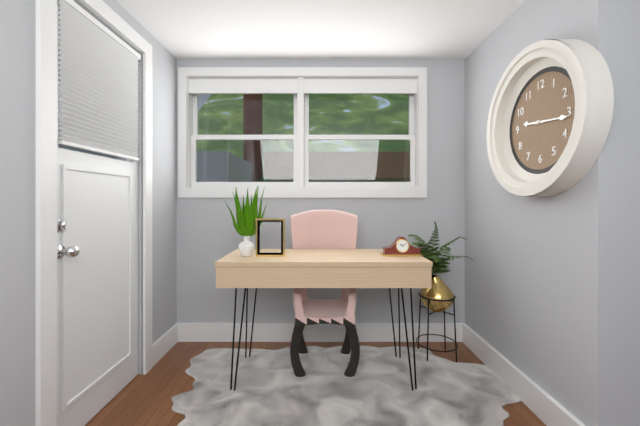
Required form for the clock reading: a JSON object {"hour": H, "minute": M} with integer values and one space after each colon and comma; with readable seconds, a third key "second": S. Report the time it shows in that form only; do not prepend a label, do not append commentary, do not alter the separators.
{"hour": 9, "minute": 16}
